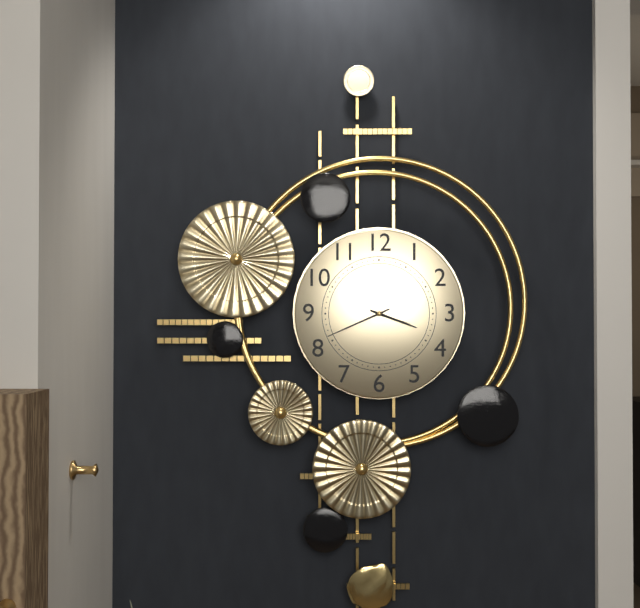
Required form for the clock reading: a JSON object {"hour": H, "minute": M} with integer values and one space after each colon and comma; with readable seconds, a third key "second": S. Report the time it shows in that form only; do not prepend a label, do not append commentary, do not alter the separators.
{"hour": 3, "minute": 41}
